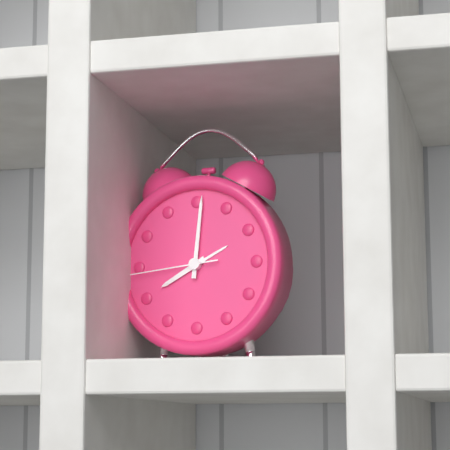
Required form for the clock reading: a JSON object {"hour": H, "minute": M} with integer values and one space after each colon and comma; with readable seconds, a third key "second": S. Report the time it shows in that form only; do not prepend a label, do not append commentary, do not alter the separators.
{"hour": 8, "minute": 1, "second": 44}
